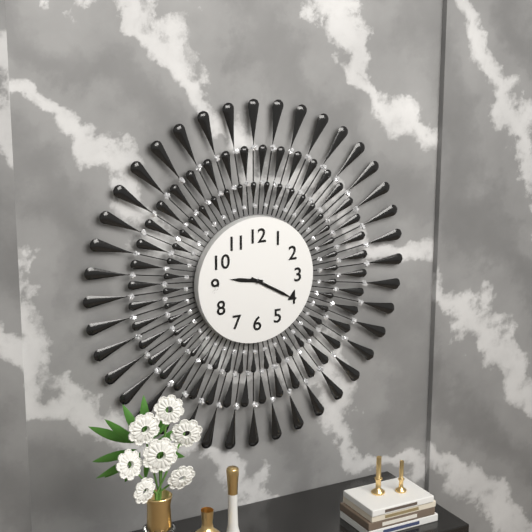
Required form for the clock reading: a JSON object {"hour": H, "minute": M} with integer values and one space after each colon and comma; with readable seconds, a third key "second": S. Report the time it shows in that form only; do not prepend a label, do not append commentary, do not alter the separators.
{"hour": 9, "minute": 20}
